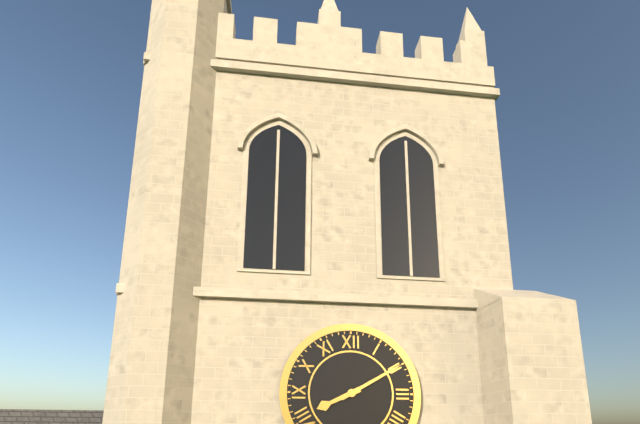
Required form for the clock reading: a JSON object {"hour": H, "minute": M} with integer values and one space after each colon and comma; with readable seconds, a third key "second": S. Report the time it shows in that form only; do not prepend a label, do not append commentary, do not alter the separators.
{"hour": 8, "minute": 10}
